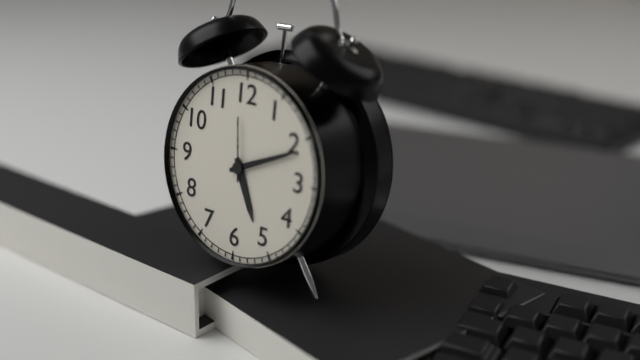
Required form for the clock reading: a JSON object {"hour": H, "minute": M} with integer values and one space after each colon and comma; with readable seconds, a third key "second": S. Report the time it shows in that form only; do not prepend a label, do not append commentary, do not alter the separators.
{"hour": 5, "minute": 11, "second": 59}
